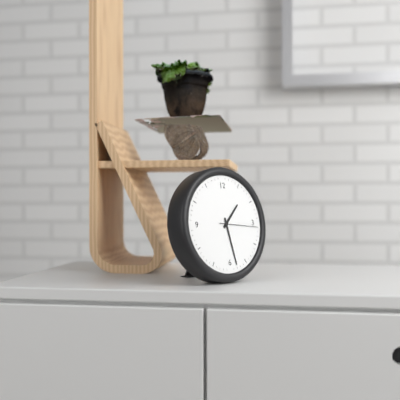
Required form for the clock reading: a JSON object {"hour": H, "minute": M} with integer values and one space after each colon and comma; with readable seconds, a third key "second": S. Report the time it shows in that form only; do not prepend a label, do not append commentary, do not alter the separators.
{"hour": 1, "minute": 28}
